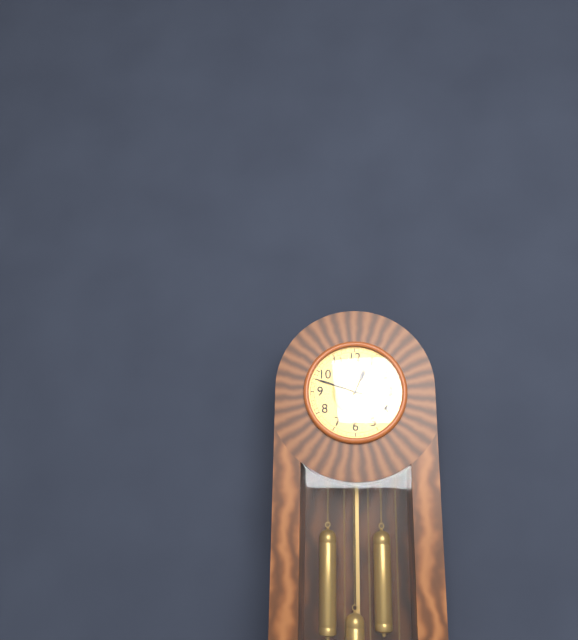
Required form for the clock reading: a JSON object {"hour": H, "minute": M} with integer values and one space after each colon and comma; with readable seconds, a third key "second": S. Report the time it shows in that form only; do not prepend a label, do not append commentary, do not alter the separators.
{"hour": 12, "minute": 48}
